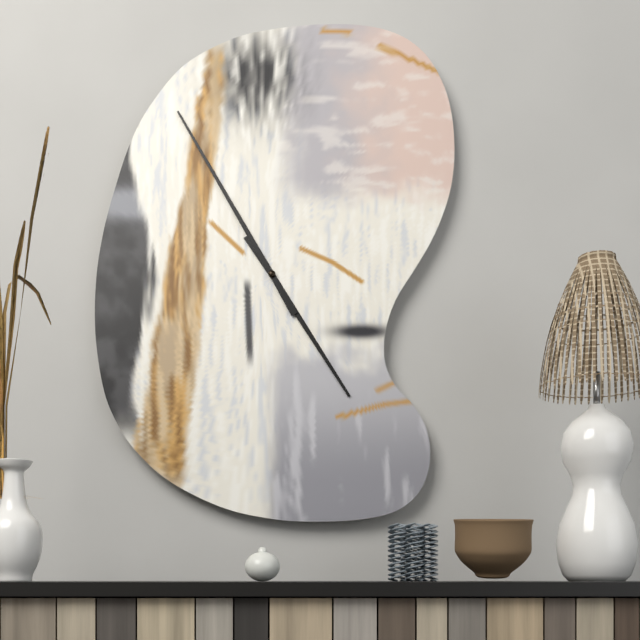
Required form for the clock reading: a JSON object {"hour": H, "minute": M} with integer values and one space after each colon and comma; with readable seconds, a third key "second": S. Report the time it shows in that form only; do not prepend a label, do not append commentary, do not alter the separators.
{"hour": 4, "minute": 55}
